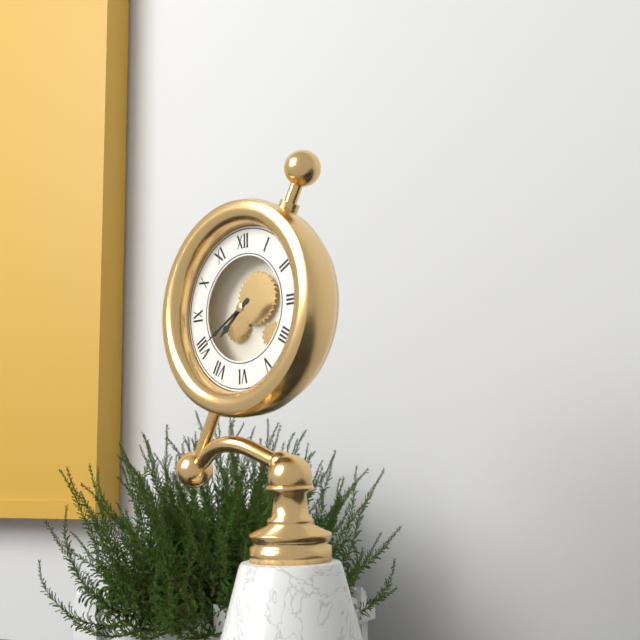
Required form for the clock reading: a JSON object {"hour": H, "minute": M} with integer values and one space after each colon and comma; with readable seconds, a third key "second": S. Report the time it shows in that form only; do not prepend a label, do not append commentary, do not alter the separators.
{"hour": 7, "minute": 40}
